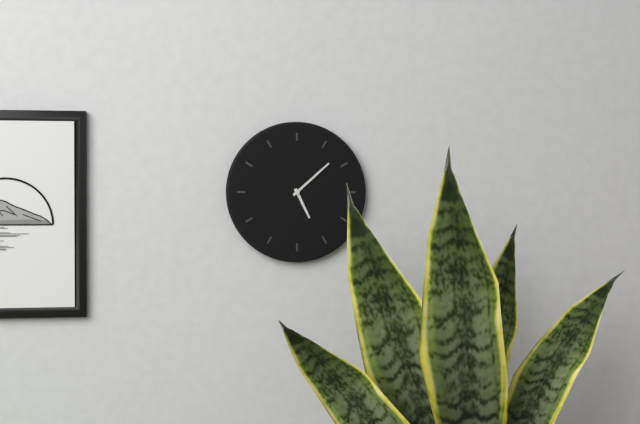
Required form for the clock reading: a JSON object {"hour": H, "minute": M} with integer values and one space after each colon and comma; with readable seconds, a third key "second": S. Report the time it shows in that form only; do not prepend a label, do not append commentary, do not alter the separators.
{"hour": 5, "minute": 8}
